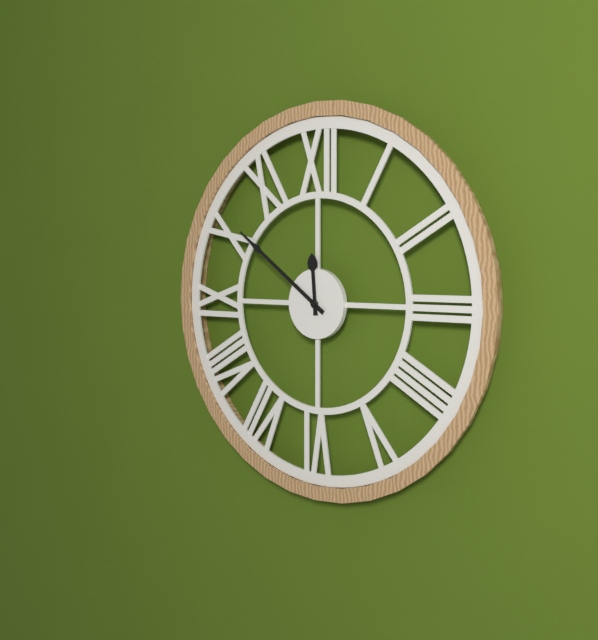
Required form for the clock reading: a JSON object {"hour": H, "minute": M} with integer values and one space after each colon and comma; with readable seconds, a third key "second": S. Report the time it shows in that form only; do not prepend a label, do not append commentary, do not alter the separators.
{"hour": 11, "minute": 51}
